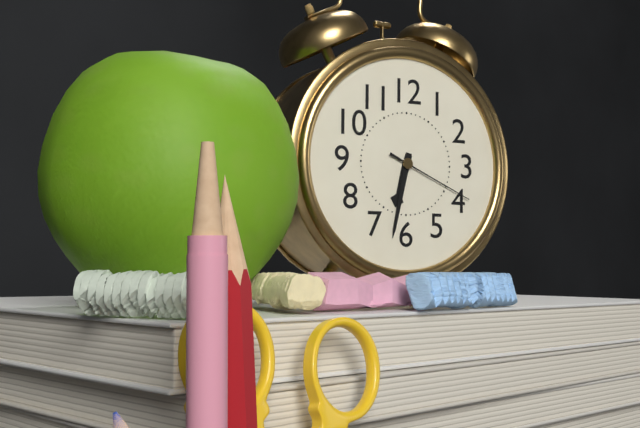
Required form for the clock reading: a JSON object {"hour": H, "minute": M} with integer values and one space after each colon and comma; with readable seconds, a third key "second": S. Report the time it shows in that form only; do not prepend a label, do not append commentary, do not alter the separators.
{"hour": 6, "minute": 32, "second": 19}
